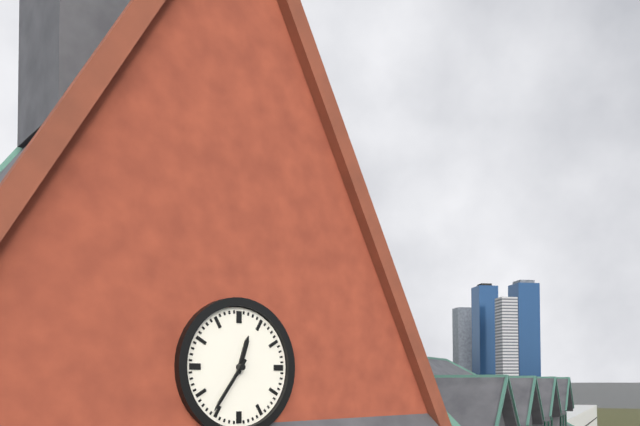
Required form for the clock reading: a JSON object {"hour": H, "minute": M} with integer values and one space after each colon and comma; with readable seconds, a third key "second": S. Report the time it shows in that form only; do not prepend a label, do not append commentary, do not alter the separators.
{"hour": 12, "minute": 36}
